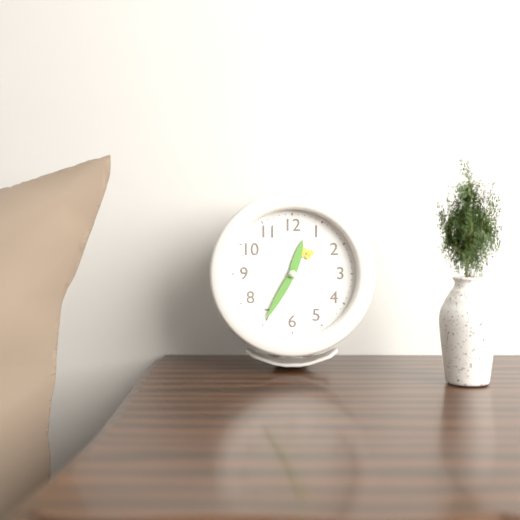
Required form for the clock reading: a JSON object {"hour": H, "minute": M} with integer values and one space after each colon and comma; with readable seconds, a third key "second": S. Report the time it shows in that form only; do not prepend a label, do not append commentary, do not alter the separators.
{"hour": 12, "minute": 35}
